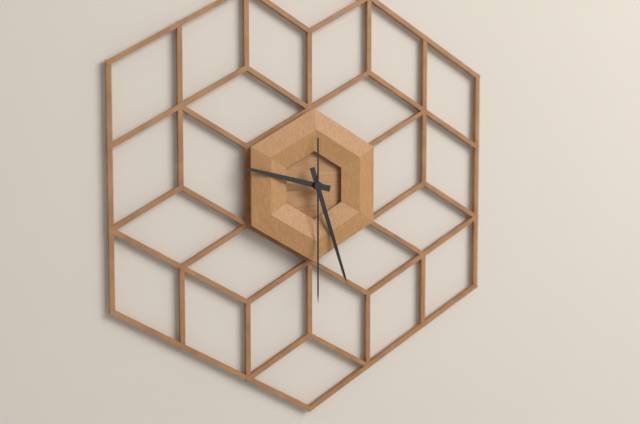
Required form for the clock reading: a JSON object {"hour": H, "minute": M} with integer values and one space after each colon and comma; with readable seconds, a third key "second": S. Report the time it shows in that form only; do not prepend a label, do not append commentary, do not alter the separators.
{"hour": 9, "minute": 27, "second": 30}
